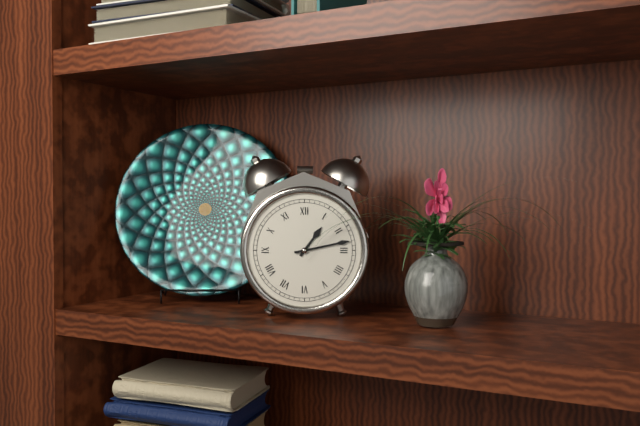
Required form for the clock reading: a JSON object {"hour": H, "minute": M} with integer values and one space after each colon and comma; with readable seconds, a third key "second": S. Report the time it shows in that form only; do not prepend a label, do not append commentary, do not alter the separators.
{"hour": 1, "minute": 13}
